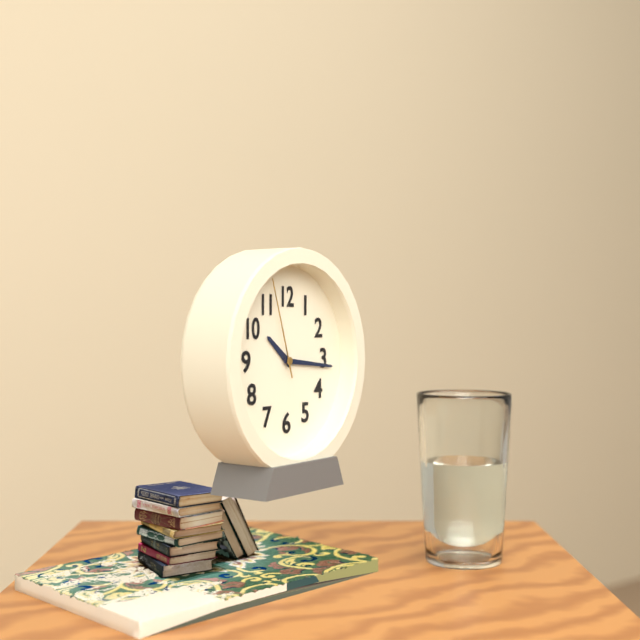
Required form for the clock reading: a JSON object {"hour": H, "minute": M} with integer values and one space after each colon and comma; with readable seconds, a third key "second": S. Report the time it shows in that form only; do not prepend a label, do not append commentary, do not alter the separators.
{"hour": 10, "minute": 16, "second": 57}
